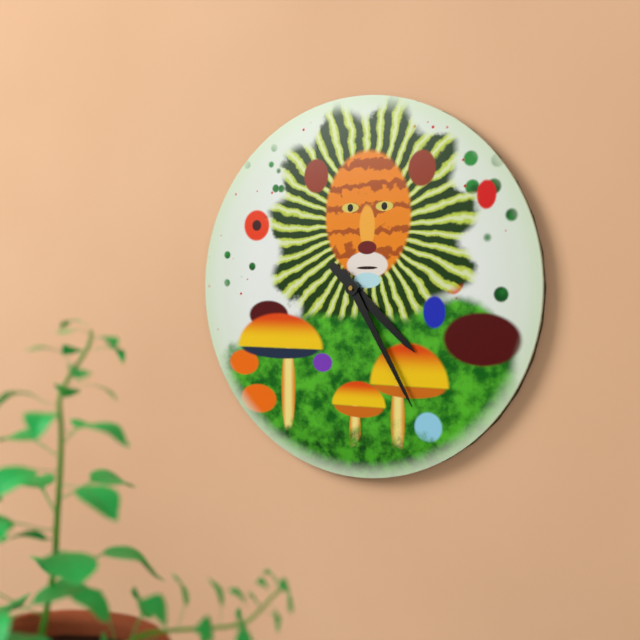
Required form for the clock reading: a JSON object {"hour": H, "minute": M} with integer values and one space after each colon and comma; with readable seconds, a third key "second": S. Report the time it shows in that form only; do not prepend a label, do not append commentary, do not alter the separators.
{"hour": 4, "minute": 25}
